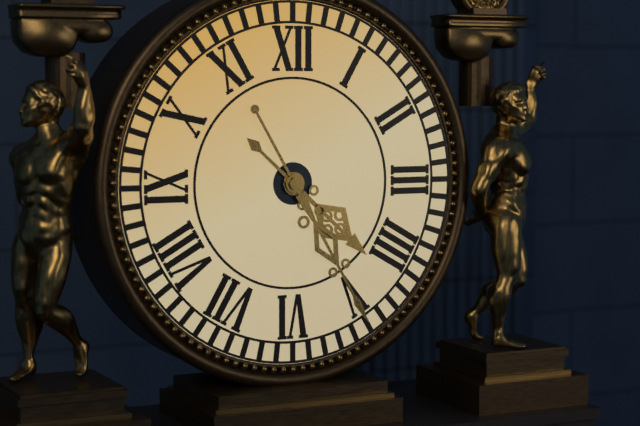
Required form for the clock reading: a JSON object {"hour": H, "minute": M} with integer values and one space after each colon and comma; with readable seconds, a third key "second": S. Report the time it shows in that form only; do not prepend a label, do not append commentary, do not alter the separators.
{"hour": 4, "minute": 25}
